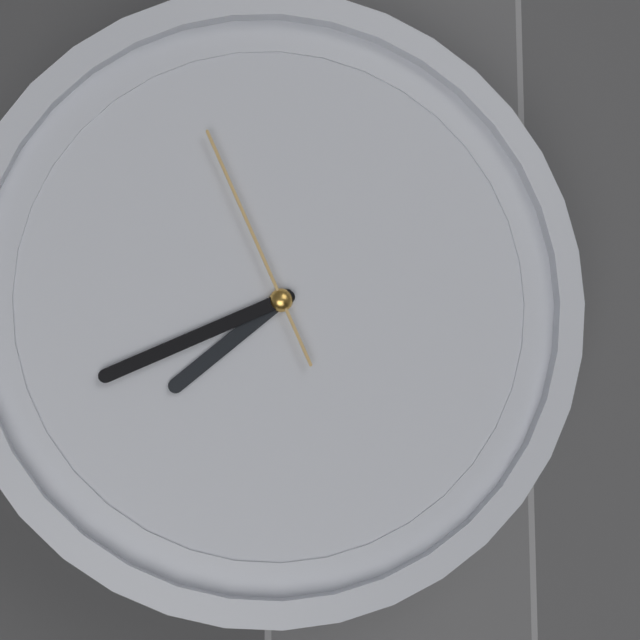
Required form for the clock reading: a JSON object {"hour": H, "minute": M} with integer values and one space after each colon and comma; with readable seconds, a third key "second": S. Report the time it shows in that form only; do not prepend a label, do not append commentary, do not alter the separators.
{"hour": 7, "minute": 41, "second": 56}
